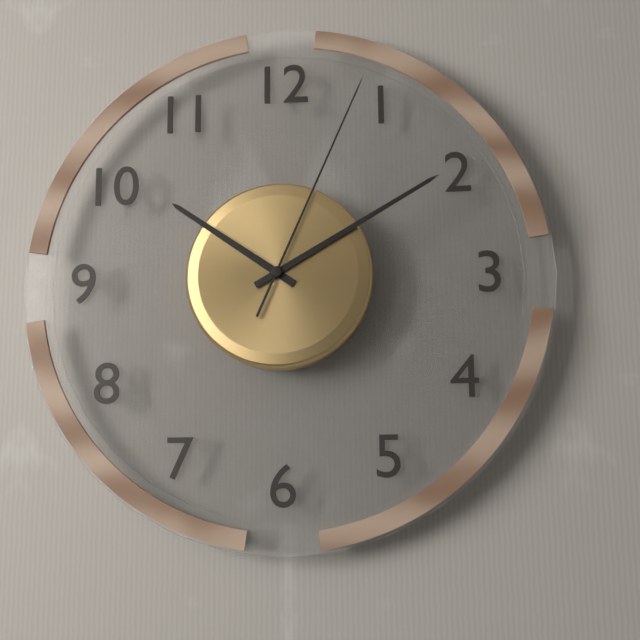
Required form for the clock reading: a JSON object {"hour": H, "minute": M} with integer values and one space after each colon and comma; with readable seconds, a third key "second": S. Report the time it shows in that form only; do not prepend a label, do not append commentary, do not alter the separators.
{"hour": 10, "minute": 10, "second": 4}
